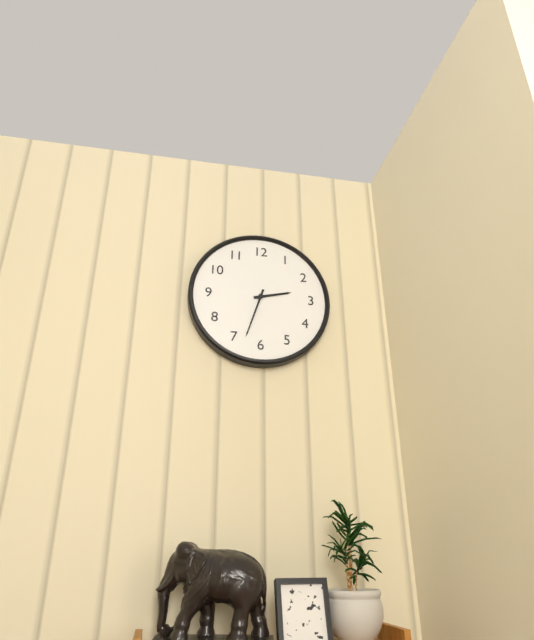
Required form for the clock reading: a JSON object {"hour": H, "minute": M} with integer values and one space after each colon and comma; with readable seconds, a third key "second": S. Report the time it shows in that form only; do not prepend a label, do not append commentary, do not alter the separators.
{"hour": 2, "minute": 33}
